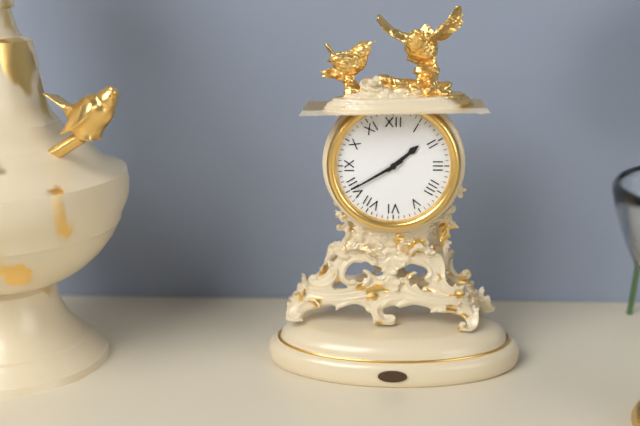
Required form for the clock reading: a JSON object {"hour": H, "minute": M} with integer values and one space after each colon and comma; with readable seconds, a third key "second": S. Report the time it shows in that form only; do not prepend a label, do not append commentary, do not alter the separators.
{"hour": 1, "minute": 40}
